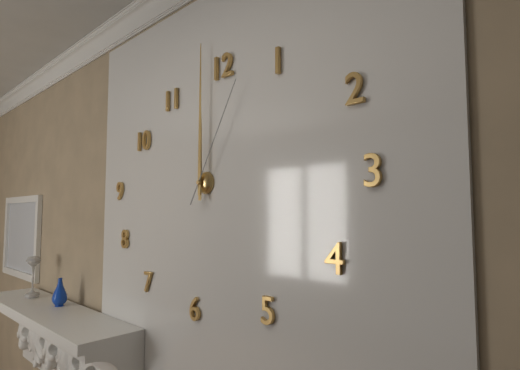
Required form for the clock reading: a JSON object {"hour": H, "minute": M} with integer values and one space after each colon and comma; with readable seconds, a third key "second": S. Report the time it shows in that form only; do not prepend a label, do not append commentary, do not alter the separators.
{"hour": 12, "minute": 0, "second": 5}
